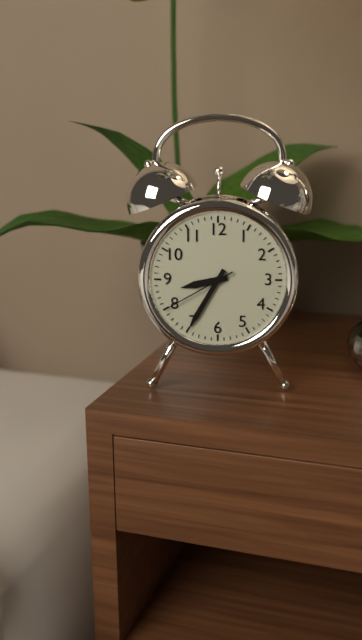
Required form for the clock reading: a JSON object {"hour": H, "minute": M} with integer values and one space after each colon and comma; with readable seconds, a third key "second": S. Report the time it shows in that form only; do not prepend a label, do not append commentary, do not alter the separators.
{"hour": 8, "minute": 35, "second": 40}
